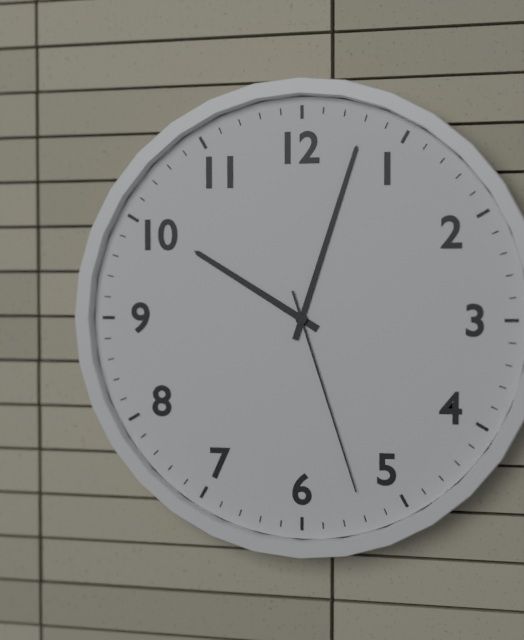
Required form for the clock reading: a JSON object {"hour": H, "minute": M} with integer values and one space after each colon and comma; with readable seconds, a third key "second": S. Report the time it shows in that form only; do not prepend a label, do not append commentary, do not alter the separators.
{"hour": 10, "minute": 3, "second": 27}
